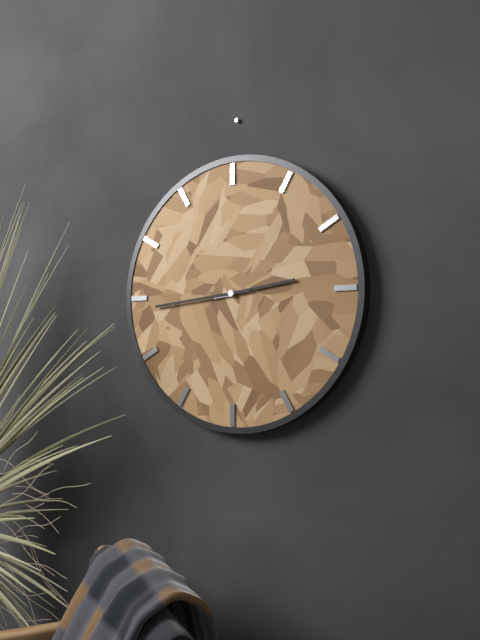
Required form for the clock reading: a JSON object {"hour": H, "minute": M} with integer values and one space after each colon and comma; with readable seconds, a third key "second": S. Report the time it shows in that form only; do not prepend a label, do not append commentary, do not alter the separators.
{"hour": 2, "minute": 44}
